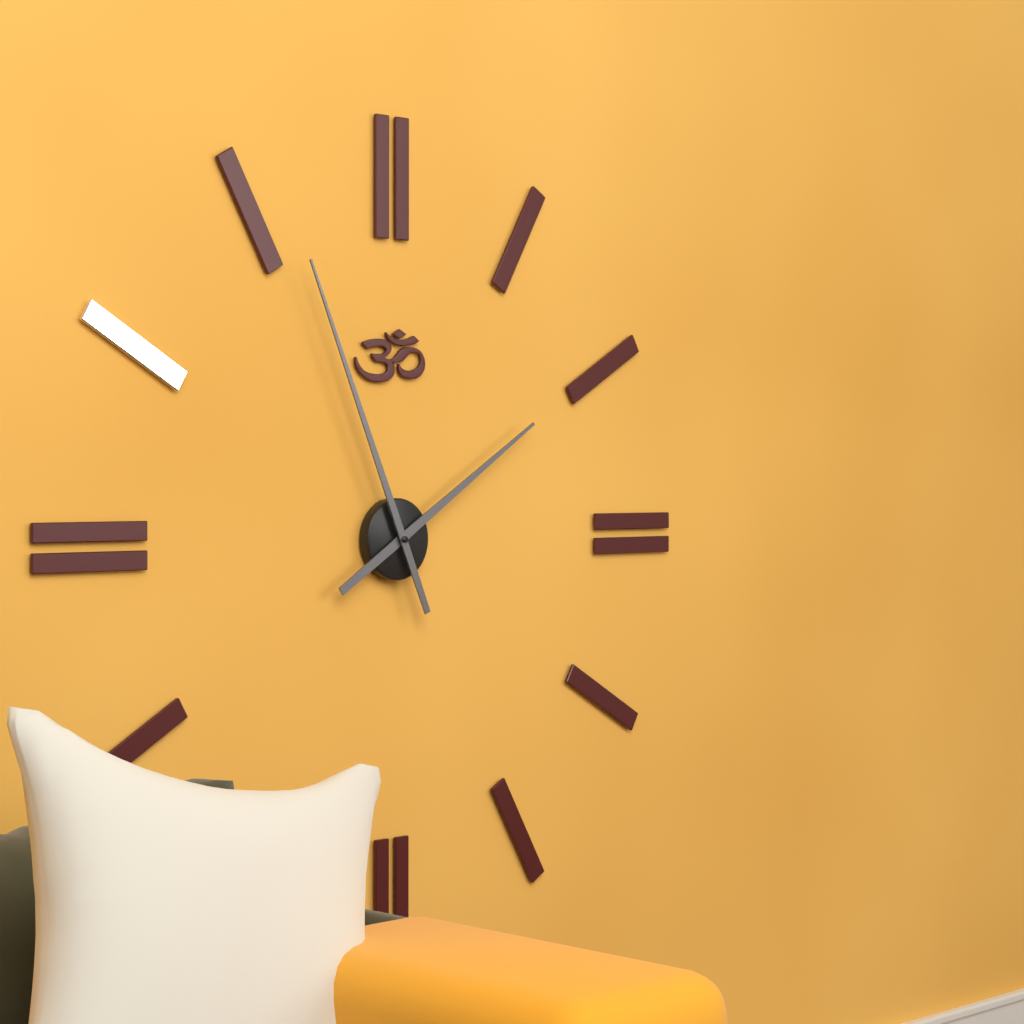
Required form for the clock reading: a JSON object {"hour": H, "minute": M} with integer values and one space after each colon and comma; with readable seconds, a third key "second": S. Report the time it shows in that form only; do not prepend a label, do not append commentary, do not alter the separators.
{"hour": 1, "minute": 56}
